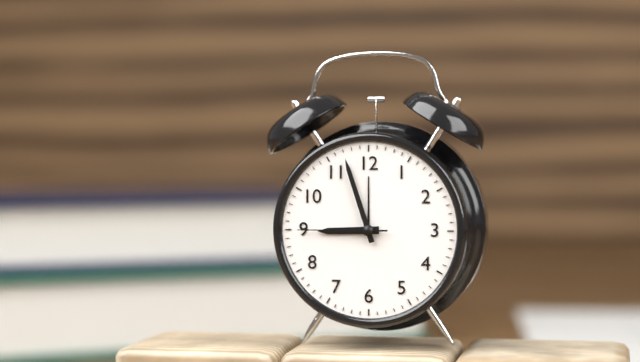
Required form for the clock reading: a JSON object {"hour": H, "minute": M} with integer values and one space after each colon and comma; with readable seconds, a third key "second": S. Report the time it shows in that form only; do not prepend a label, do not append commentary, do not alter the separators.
{"hour": 8, "minute": 57, "second": 45}
